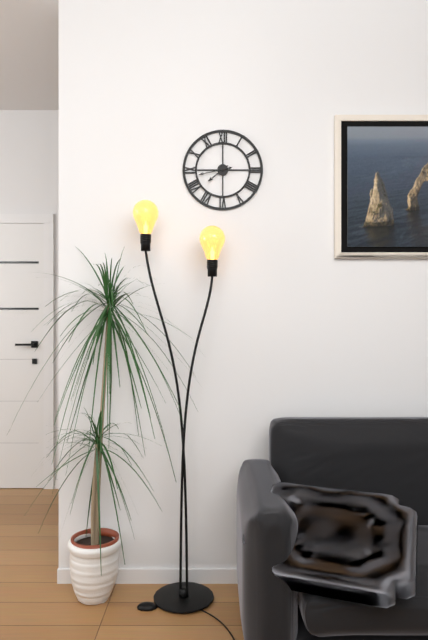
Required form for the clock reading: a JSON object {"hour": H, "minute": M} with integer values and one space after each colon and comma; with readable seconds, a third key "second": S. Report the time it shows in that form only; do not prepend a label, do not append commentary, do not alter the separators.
{"hour": 7, "minute": 43}
